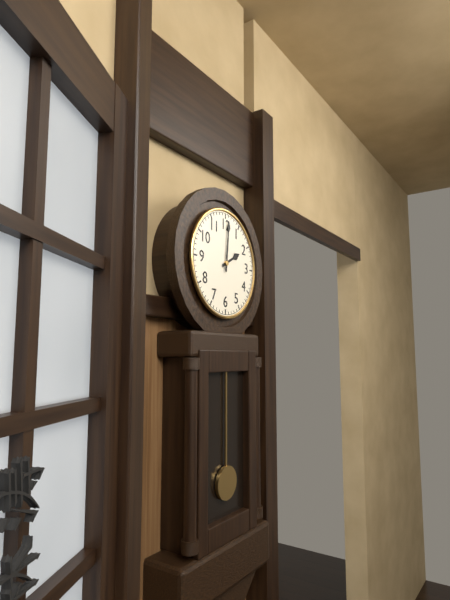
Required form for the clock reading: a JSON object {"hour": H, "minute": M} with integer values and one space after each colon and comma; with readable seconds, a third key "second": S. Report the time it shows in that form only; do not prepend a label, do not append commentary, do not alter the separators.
{"hour": 2, "minute": 1}
